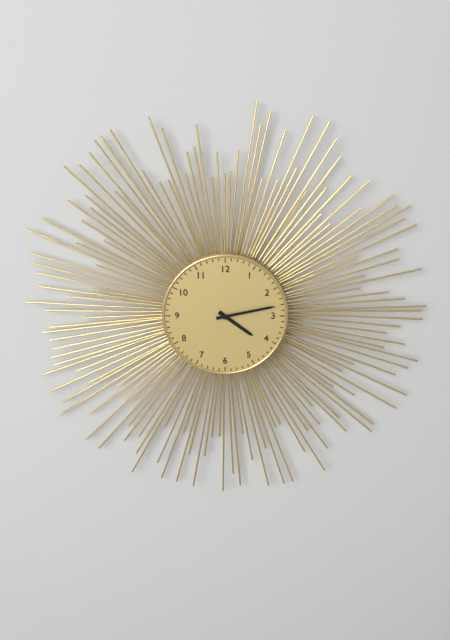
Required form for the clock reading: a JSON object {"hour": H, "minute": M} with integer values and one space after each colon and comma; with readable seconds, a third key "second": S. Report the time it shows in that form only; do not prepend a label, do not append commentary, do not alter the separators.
{"hour": 4, "minute": 13}
